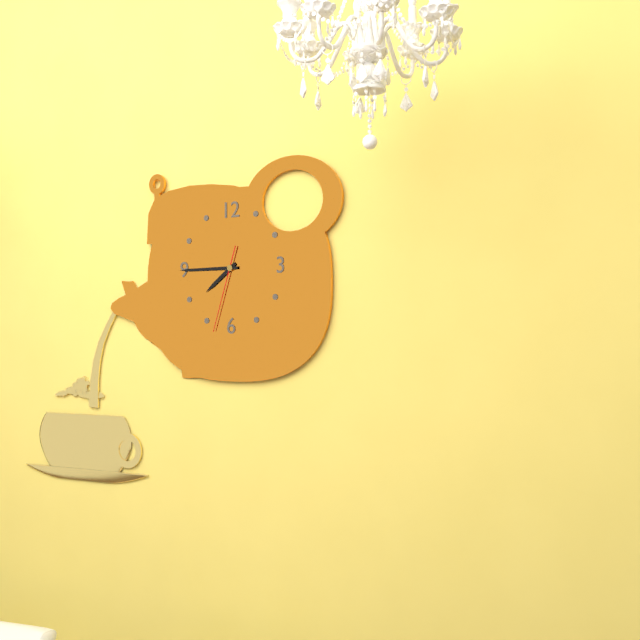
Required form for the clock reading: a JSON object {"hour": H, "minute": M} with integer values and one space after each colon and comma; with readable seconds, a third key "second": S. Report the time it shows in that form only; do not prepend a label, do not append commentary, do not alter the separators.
{"hour": 7, "minute": 45, "second": 33}
